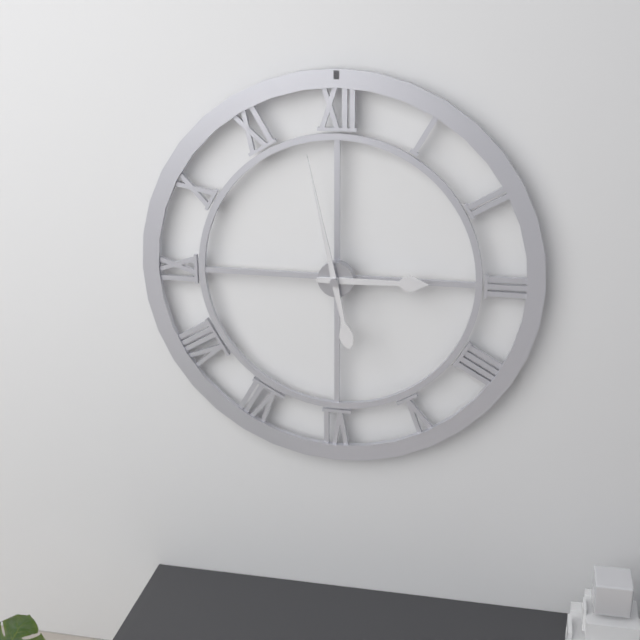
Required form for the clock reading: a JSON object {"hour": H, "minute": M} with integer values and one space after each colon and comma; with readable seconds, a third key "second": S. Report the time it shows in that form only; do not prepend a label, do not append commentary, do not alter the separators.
{"hour": 2, "minute": 58}
